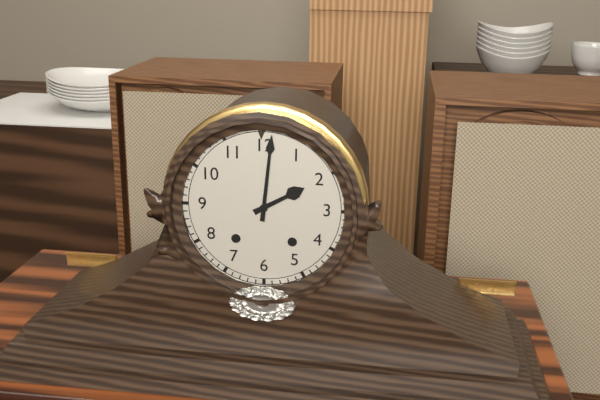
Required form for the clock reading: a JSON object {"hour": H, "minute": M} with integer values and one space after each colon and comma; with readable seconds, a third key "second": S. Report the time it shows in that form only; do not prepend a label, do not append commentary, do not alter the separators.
{"hour": 2, "minute": 1}
